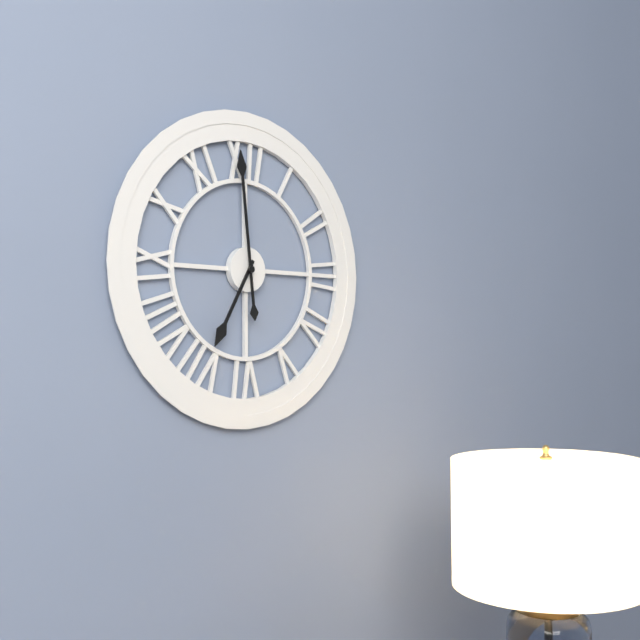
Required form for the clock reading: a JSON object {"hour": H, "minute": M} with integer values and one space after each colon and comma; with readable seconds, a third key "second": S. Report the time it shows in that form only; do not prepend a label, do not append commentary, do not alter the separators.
{"hour": 6, "minute": 59}
